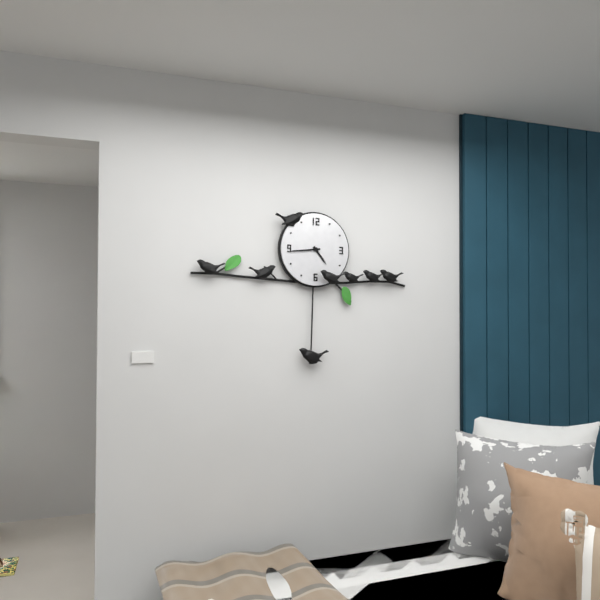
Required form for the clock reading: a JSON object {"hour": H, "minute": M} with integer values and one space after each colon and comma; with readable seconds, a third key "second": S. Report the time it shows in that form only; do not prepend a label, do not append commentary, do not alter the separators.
{"hour": 4, "minute": 44}
